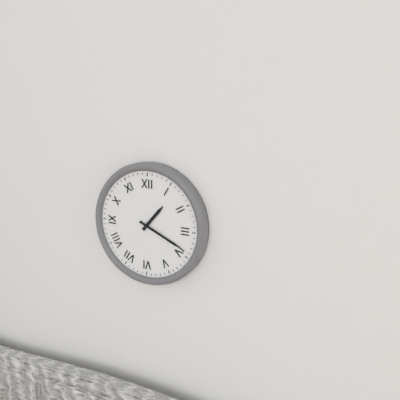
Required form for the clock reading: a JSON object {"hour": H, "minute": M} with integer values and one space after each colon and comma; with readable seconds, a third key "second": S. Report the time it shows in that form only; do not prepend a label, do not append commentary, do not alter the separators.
{"hour": 1, "minute": 19}
